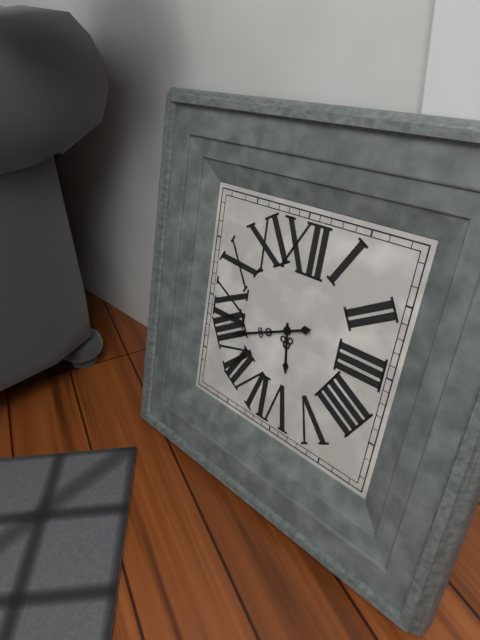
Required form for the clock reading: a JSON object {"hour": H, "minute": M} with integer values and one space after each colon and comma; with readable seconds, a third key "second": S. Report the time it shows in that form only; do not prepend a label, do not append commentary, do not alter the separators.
{"hour": 5, "minute": 41}
